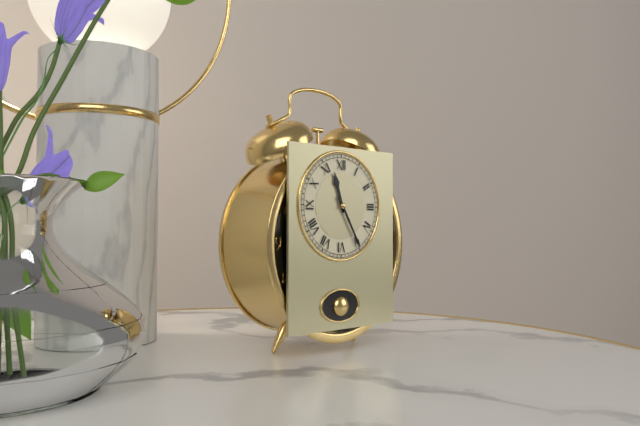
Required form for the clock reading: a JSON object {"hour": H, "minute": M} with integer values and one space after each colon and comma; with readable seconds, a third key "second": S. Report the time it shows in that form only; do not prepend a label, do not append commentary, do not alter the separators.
{"hour": 11, "minute": 25}
